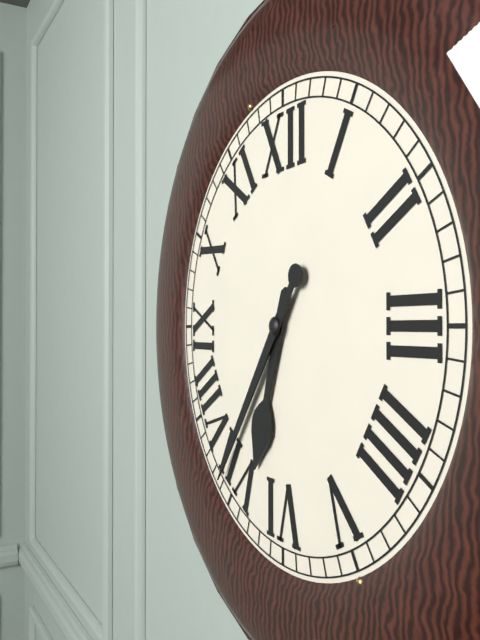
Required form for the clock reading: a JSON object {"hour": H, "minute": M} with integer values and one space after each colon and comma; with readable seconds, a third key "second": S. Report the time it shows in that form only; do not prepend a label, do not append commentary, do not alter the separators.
{"hour": 6, "minute": 36}
